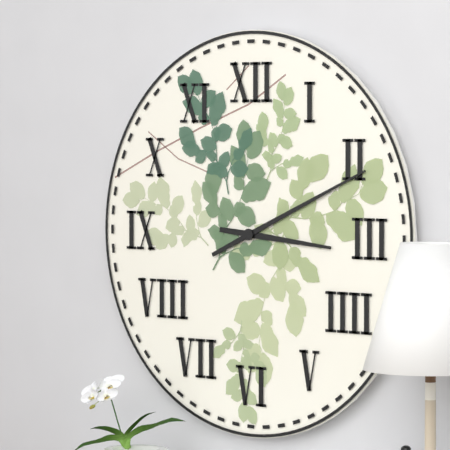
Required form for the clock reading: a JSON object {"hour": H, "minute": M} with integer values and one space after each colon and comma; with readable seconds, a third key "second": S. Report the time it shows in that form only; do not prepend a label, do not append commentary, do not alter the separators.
{"hour": 3, "minute": 11}
